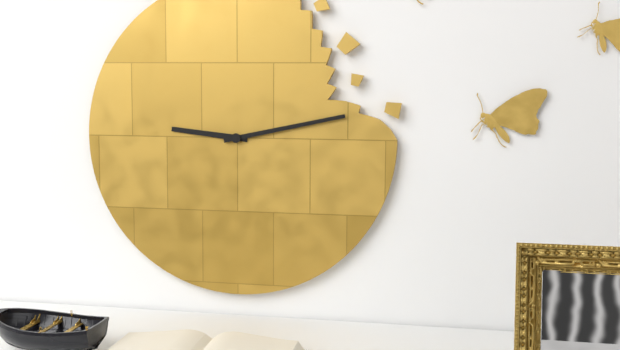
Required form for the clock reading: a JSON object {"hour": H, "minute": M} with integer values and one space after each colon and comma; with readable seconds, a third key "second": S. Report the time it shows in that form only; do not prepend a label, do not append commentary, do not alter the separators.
{"hour": 9, "minute": 13}
